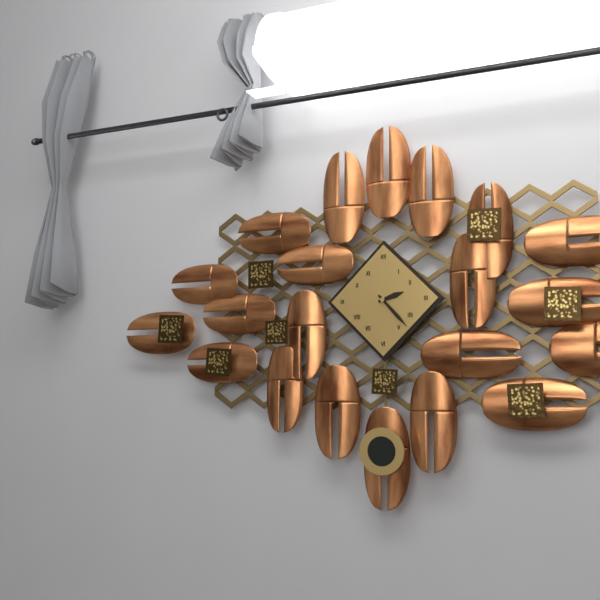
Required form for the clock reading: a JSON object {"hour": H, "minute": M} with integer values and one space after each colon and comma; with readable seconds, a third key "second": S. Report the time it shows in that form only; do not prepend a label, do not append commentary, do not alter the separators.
{"hour": 2, "minute": 23}
